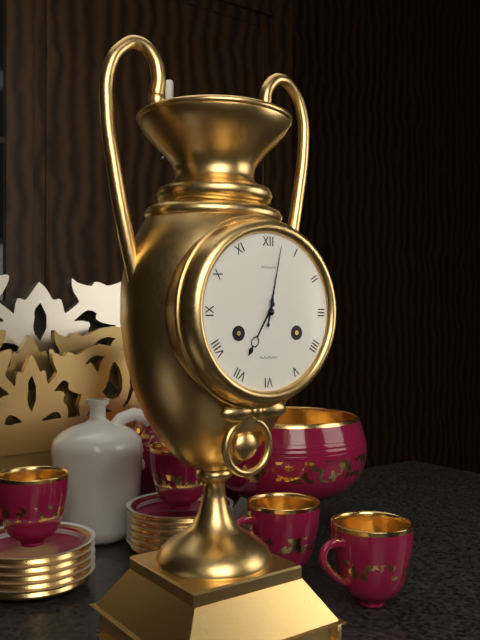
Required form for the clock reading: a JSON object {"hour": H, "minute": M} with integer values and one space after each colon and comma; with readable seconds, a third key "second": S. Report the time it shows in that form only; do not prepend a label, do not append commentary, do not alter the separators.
{"hour": 7, "minute": 2}
